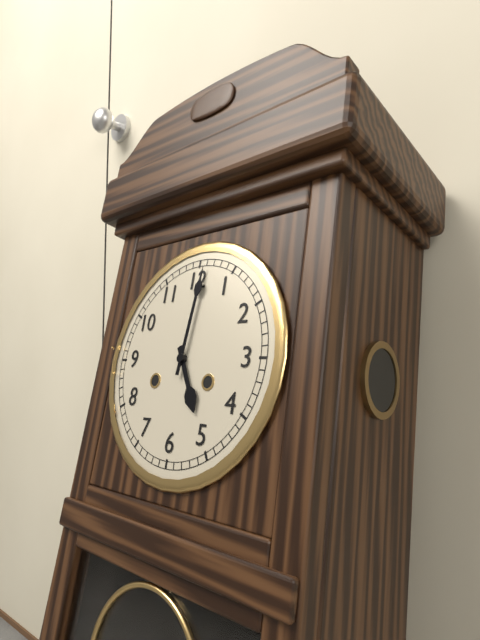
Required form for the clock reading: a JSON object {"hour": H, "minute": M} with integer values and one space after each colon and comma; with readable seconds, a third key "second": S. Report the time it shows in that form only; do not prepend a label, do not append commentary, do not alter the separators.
{"hour": 5, "minute": 1}
